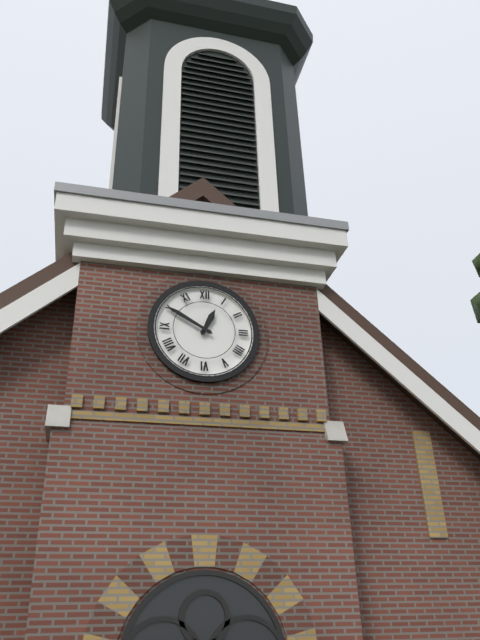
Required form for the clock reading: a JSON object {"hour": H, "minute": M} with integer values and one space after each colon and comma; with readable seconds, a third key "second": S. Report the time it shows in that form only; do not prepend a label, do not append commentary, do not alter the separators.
{"hour": 12, "minute": 50}
